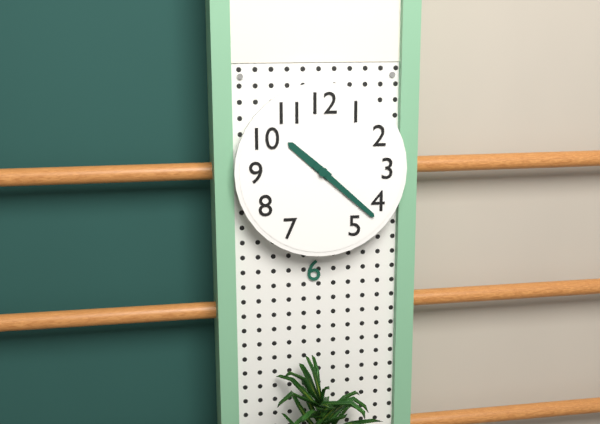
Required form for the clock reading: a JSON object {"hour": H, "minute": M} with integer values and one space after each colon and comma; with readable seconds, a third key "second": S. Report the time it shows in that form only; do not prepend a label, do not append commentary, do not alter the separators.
{"hour": 10, "minute": 22}
